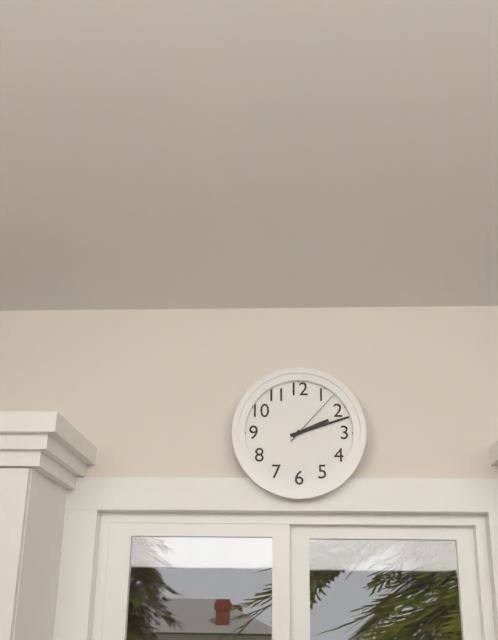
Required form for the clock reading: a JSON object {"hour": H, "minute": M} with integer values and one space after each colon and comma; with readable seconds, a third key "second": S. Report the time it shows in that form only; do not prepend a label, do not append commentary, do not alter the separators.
{"hour": 2, "minute": 12, "second": 7}
